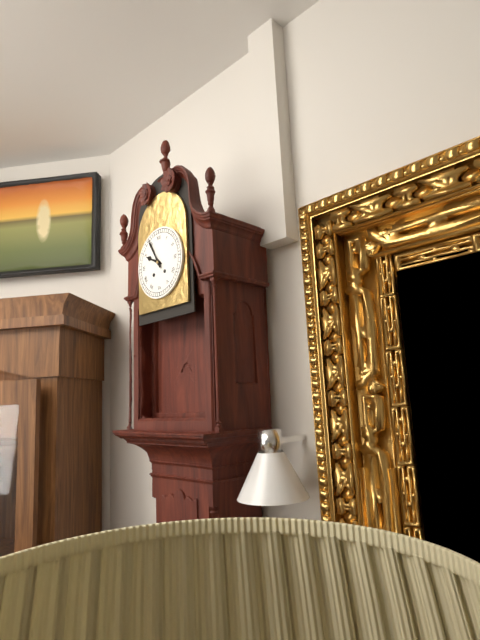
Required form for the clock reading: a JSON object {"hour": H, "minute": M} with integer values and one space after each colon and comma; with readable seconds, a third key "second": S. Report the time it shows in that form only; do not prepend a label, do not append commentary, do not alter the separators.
{"hour": 9, "minute": 55}
